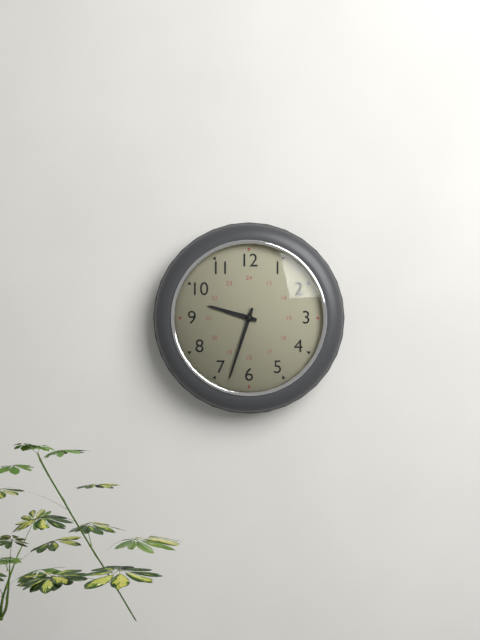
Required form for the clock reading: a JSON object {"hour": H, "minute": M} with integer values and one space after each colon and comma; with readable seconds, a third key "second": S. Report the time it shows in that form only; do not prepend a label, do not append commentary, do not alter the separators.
{"hour": 9, "minute": 33}
